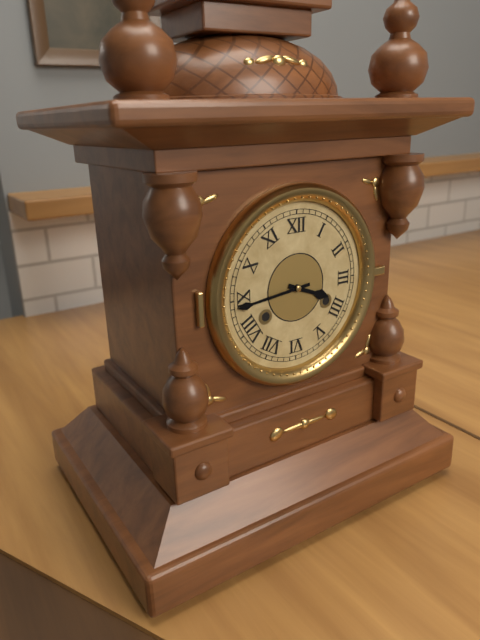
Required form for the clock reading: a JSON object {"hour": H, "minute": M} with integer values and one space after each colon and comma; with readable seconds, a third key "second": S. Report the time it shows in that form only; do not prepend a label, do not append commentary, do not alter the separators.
{"hour": 3, "minute": 44}
